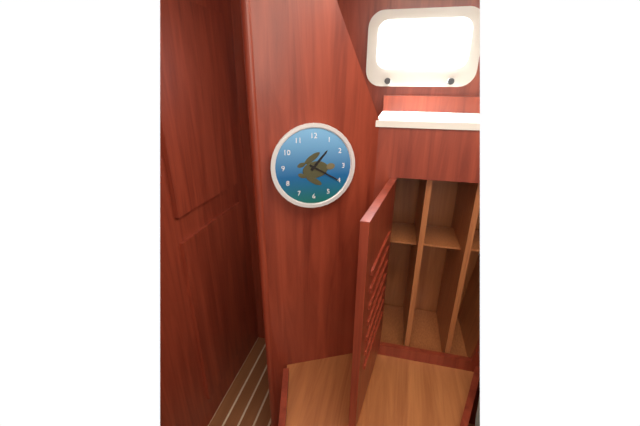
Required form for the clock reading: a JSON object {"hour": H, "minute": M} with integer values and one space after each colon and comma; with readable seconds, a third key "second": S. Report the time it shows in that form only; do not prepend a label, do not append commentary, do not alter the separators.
{"hour": 1, "minute": 20}
